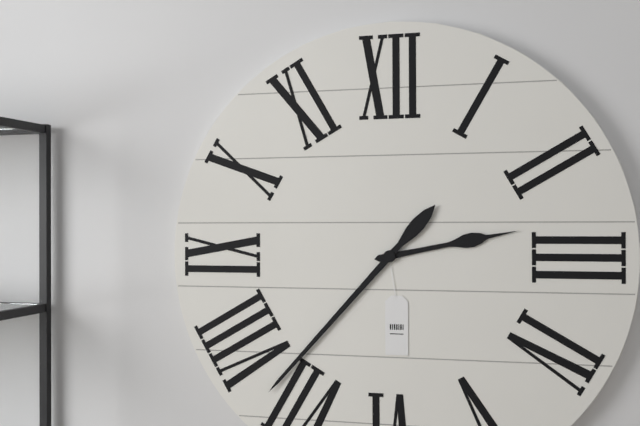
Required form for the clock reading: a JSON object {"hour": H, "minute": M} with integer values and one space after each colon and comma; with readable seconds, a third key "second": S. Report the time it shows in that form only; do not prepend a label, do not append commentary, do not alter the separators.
{"hour": 2, "minute": 37}
